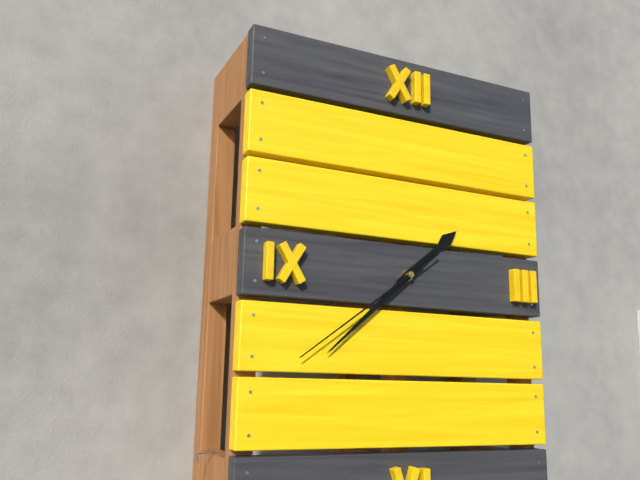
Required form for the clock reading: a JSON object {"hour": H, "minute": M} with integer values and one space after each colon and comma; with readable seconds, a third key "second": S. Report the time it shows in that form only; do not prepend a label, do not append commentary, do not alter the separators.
{"hour": 1, "minute": 38, "second": 39}
